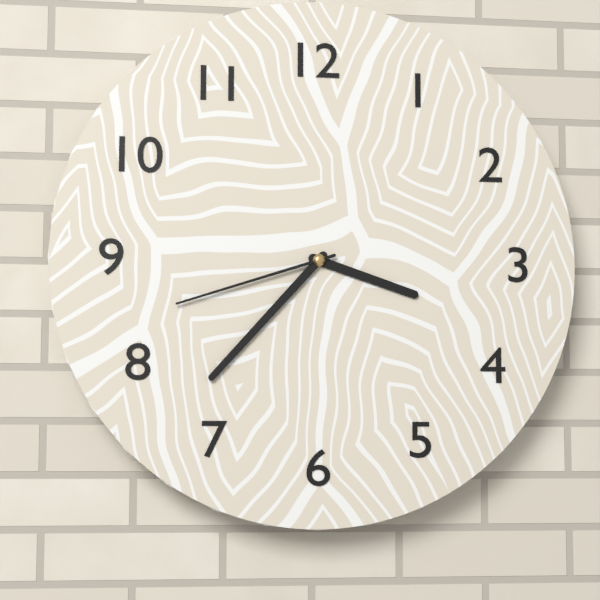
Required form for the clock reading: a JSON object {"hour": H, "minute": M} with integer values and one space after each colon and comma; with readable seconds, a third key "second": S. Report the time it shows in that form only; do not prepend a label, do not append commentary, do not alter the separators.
{"hour": 3, "minute": 37, "second": 42}
